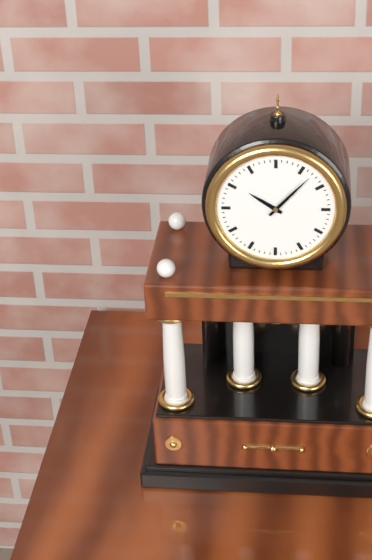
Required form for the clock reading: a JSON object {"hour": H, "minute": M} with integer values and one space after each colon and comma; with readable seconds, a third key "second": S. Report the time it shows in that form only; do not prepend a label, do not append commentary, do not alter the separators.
{"hour": 10, "minute": 7}
